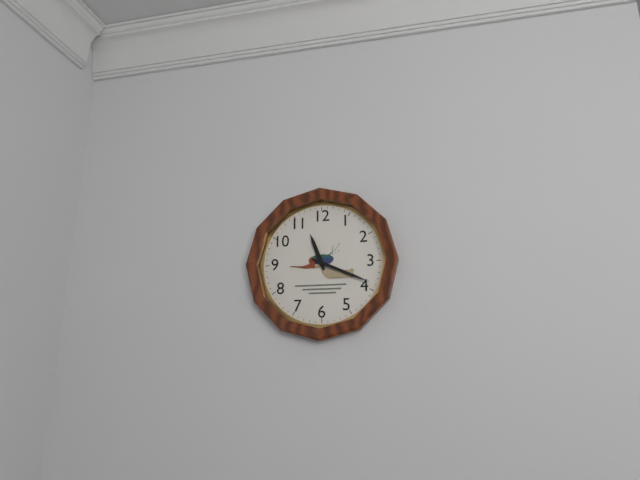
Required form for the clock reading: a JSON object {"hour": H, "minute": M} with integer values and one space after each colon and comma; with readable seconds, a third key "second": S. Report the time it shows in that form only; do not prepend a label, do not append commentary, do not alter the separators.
{"hour": 11, "minute": 19}
